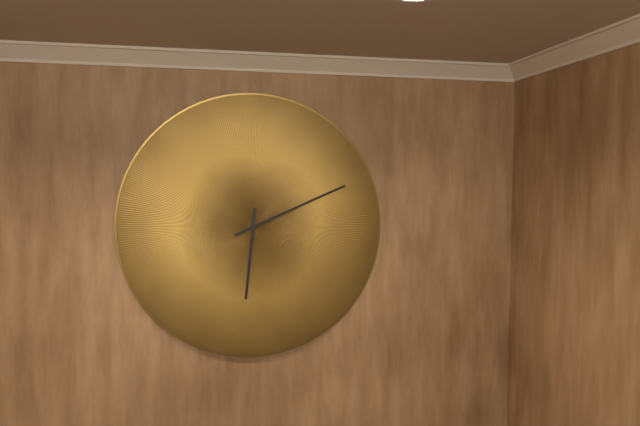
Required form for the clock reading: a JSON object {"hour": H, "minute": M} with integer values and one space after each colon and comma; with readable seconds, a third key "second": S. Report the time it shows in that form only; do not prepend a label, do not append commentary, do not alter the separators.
{"hour": 6, "minute": 11}
